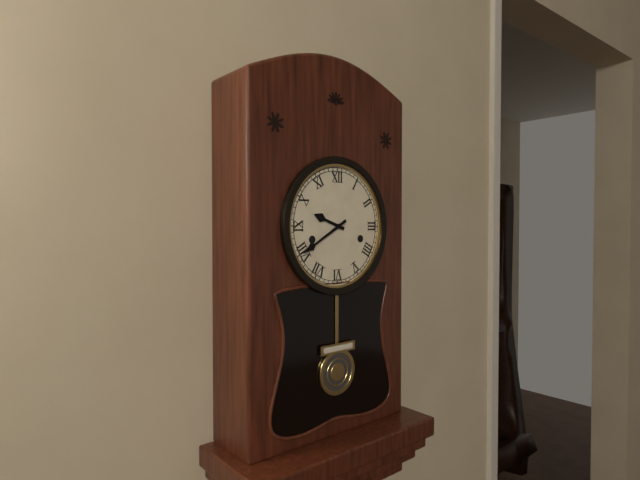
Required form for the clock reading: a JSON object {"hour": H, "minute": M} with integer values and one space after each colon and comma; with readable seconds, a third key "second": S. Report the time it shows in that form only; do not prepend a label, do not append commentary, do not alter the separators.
{"hour": 9, "minute": 40}
